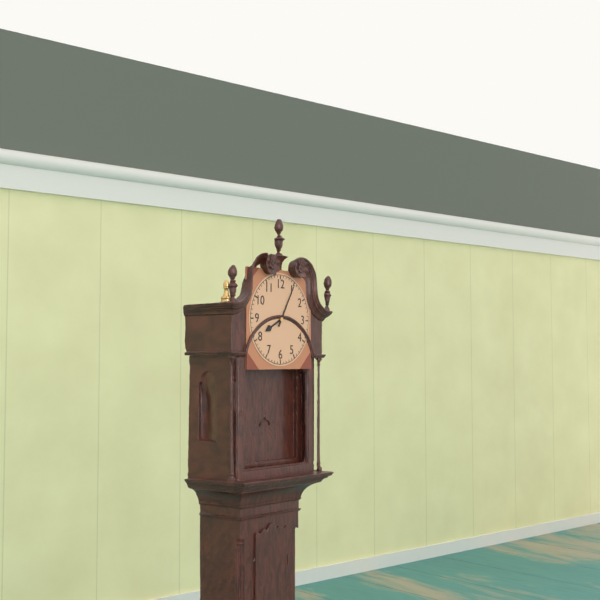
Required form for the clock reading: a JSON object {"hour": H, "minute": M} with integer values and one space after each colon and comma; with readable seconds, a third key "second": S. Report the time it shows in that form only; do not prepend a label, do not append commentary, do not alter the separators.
{"hour": 8, "minute": 5}
